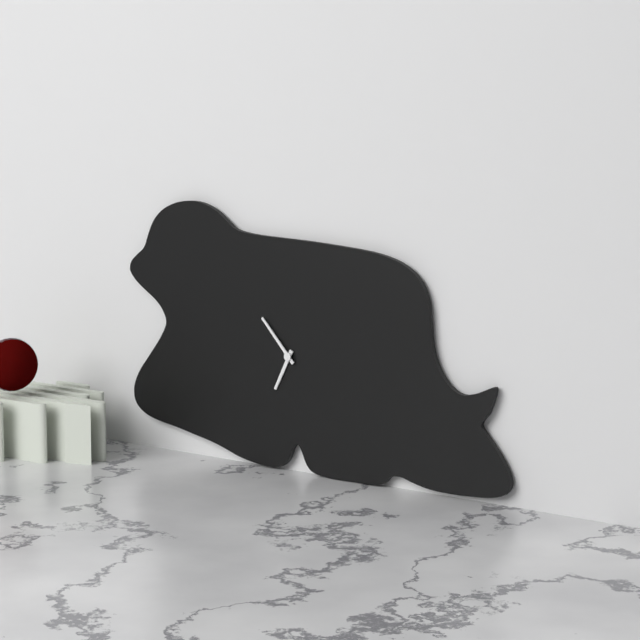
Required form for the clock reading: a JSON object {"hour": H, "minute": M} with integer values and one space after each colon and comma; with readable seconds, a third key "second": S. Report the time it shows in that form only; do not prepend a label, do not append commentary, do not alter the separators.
{"hour": 6, "minute": 53}
